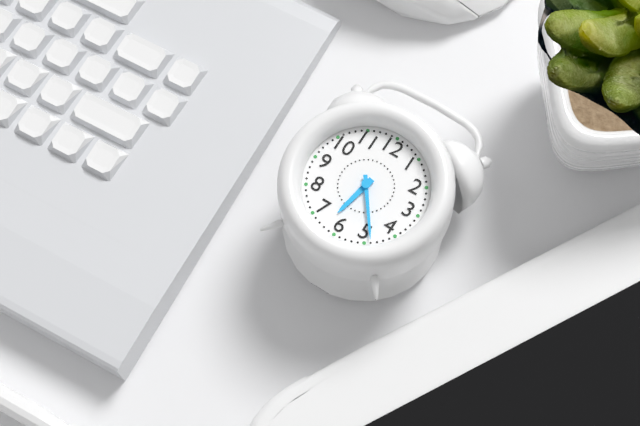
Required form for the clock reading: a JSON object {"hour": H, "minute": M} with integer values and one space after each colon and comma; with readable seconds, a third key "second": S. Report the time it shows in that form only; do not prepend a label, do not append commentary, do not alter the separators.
{"hour": 6, "minute": 24}
